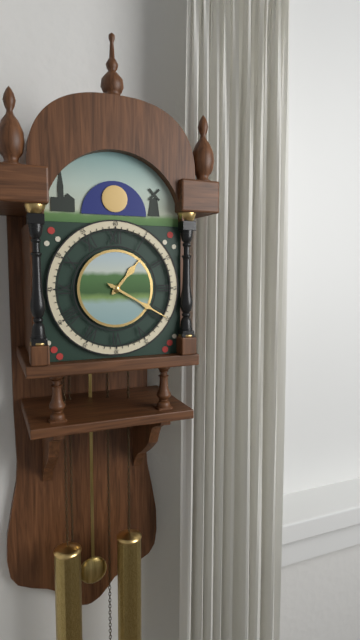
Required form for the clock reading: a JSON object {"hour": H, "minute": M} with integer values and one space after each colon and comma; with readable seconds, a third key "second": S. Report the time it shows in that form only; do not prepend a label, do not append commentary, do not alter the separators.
{"hour": 1, "minute": 20}
